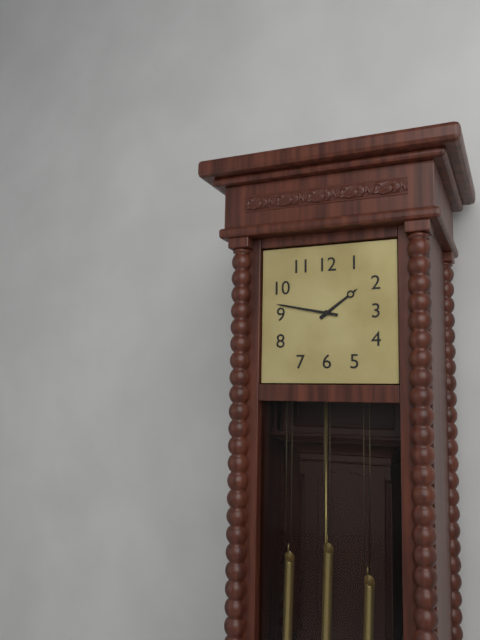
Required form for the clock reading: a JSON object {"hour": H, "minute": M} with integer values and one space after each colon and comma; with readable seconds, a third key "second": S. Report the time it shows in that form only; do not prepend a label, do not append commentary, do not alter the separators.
{"hour": 1, "minute": 47}
